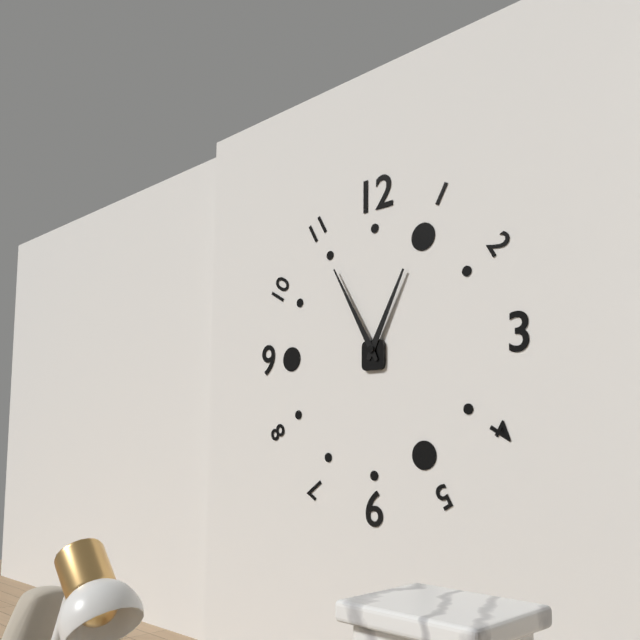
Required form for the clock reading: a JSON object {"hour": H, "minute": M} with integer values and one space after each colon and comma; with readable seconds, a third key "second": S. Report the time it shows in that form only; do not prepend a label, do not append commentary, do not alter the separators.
{"hour": 12, "minute": 55}
